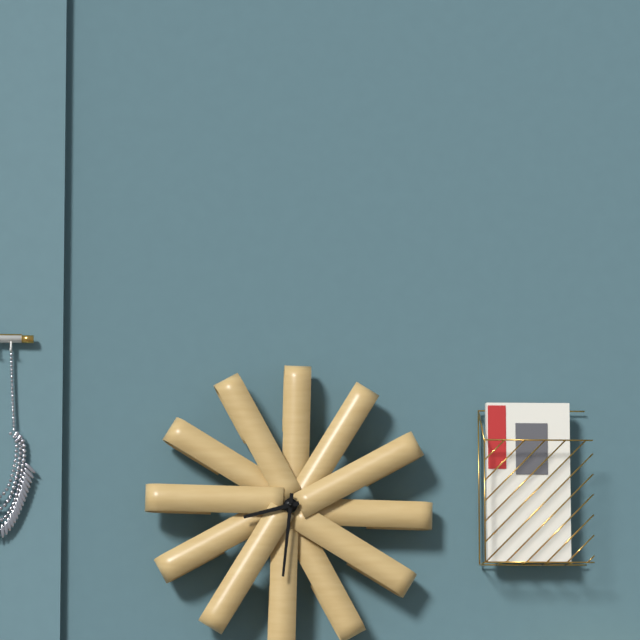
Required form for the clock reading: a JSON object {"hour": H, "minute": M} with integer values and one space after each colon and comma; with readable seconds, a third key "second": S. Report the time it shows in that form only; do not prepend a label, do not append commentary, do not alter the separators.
{"hour": 8, "minute": 31}
